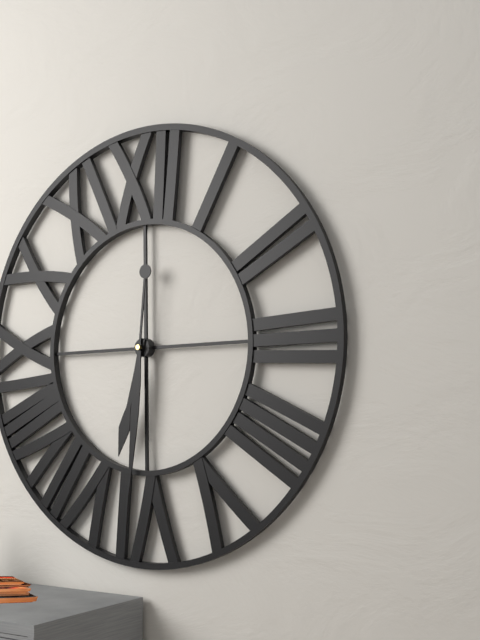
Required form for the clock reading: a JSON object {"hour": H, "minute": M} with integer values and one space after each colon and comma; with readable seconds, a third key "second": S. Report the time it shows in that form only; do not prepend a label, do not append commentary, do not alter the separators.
{"hour": 6, "minute": 31}
